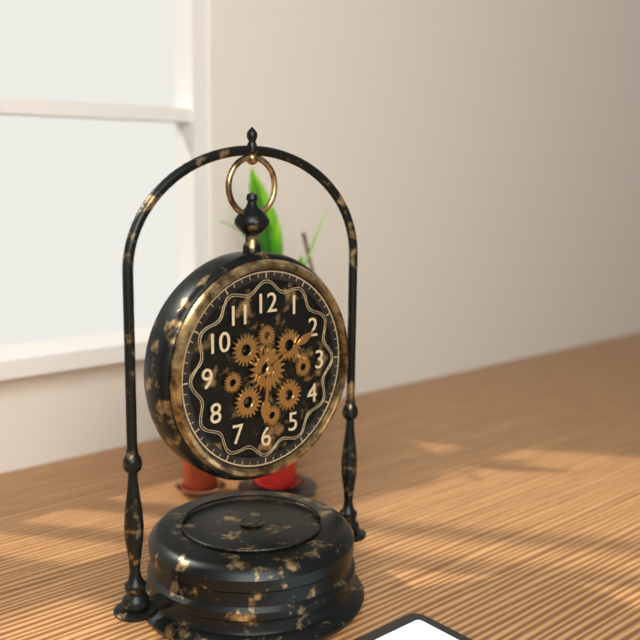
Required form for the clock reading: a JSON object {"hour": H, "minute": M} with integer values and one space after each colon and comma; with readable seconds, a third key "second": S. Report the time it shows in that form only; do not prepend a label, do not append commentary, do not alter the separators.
{"hour": 6, "minute": 10}
